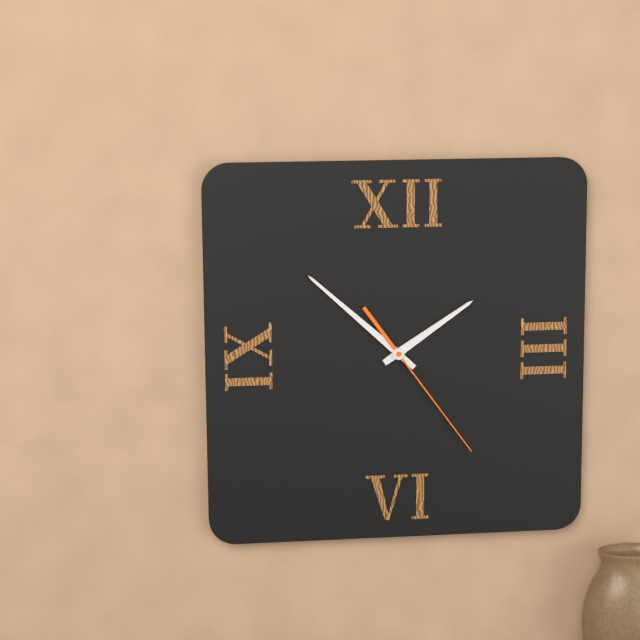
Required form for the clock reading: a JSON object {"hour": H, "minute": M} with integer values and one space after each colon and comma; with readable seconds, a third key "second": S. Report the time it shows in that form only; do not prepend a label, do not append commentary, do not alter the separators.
{"hour": 1, "minute": 52, "second": 24}
